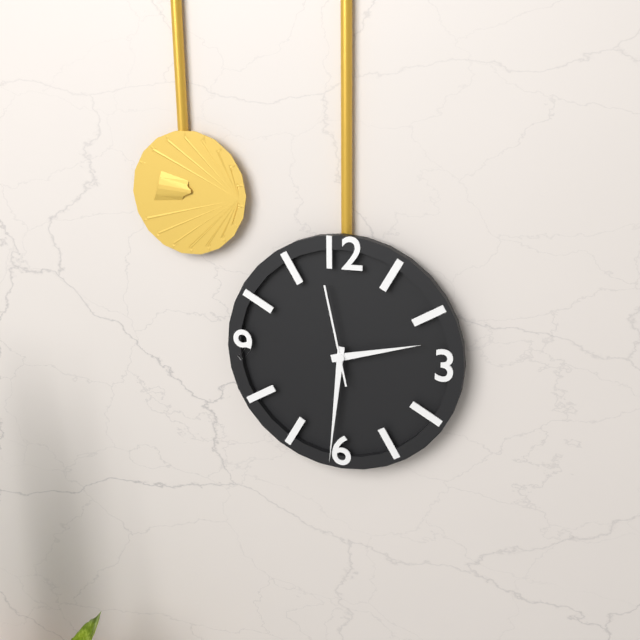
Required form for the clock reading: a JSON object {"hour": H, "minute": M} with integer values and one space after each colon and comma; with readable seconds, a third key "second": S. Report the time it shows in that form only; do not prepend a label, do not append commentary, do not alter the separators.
{"hour": 2, "minute": 31, "second": 58}
